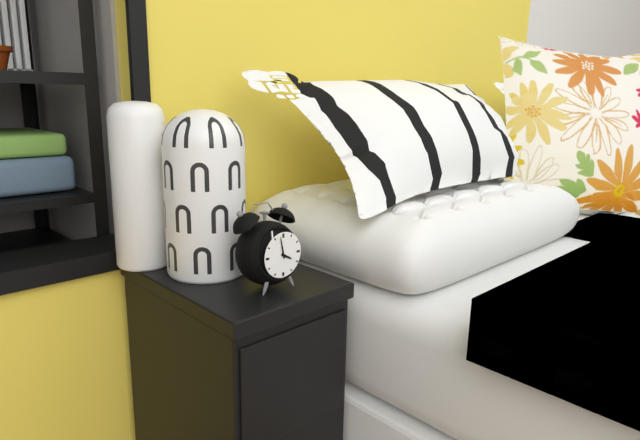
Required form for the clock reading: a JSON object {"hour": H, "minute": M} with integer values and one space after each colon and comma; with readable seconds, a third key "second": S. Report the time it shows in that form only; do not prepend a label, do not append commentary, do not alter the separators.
{"hour": 3, "minute": 58}
